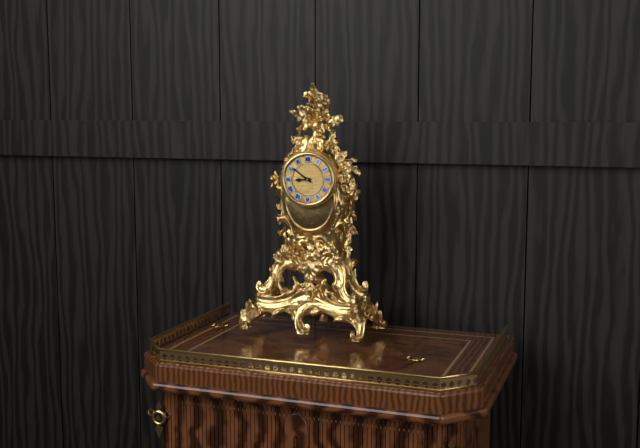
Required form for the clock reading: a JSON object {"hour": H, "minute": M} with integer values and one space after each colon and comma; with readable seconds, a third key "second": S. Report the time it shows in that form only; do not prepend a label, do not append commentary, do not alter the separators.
{"hour": 8, "minute": 51}
